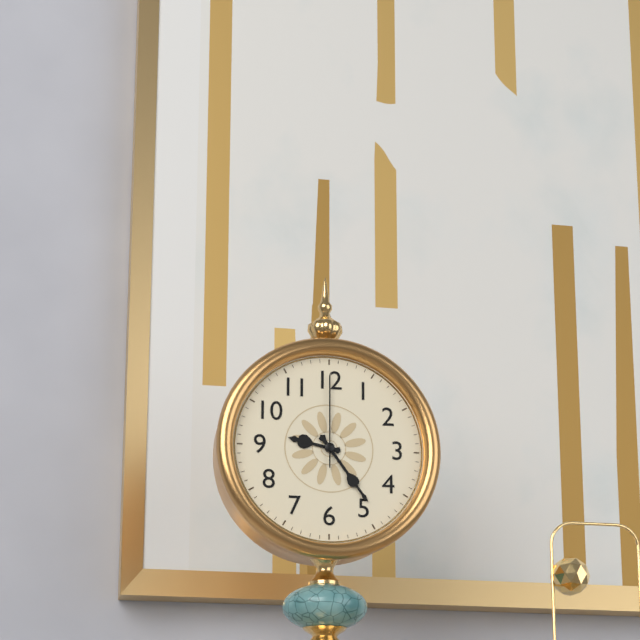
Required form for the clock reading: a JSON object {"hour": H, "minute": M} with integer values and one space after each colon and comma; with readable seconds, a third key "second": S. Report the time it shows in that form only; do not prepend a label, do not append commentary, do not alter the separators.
{"hour": 9, "minute": 24, "second": 0}
